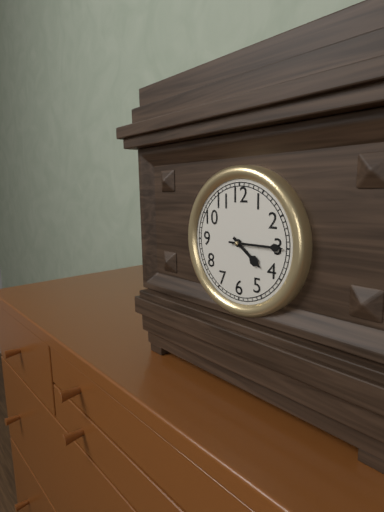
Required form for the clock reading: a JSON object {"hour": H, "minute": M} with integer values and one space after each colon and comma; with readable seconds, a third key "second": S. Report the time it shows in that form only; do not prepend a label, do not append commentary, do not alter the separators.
{"hour": 4, "minute": 15}
